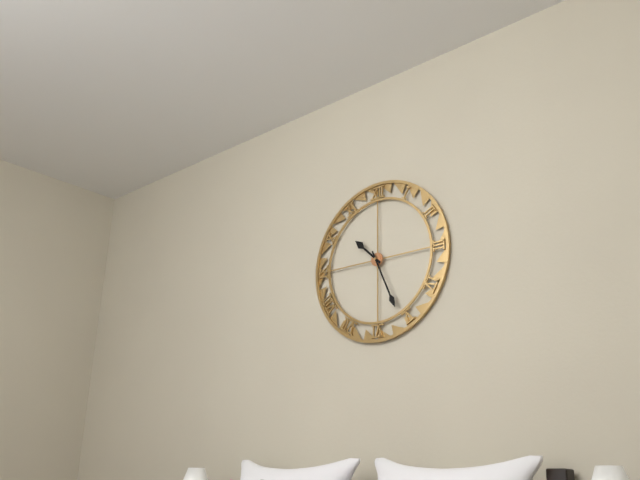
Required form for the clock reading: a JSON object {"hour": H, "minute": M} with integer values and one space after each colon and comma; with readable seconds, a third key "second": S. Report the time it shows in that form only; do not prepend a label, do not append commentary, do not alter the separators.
{"hour": 10, "minute": 26}
